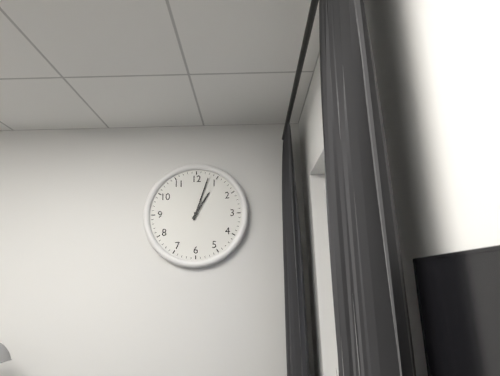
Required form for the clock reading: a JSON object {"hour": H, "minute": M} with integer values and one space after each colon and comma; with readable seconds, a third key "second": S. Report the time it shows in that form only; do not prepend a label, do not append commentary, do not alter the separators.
{"hour": 1, "minute": 3}
